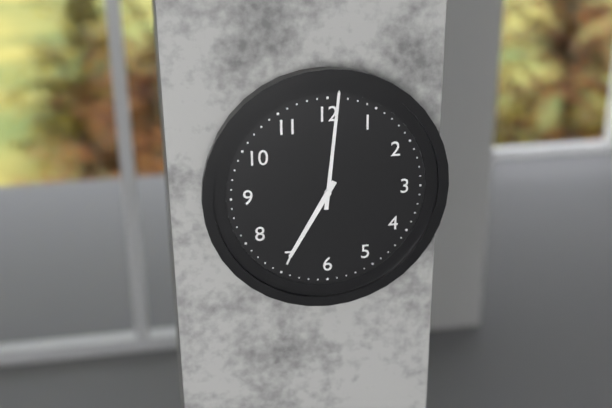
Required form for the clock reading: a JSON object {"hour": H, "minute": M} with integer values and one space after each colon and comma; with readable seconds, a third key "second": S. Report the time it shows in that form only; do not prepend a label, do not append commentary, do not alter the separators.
{"hour": 7, "minute": 1}
